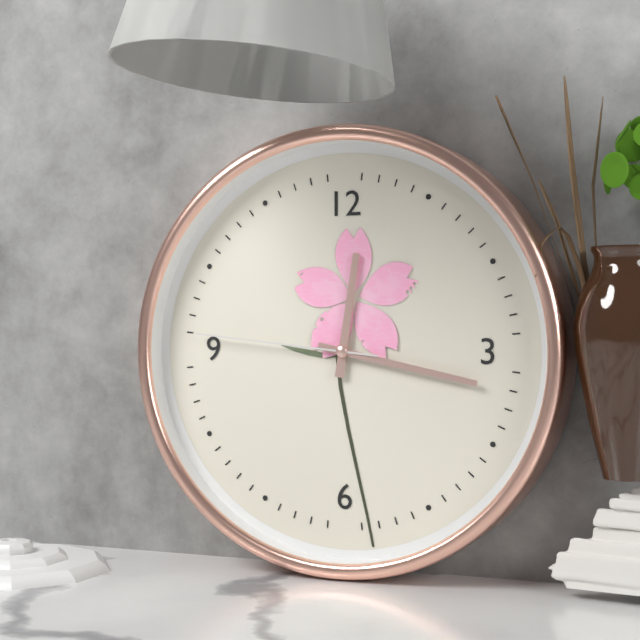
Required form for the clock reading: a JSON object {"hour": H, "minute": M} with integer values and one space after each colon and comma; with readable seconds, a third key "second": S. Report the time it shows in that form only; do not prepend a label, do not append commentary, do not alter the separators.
{"hour": 12, "minute": 17, "second": 46}
